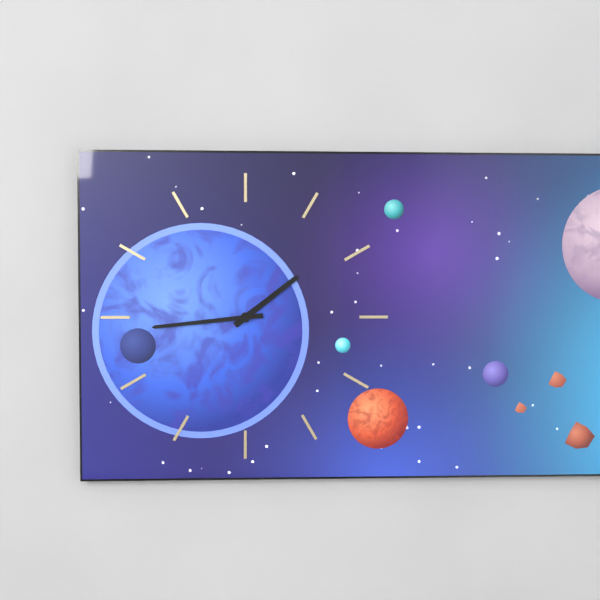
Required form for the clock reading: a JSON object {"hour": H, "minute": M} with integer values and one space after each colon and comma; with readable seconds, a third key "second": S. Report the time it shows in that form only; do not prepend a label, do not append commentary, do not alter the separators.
{"hour": 1, "minute": 44}
